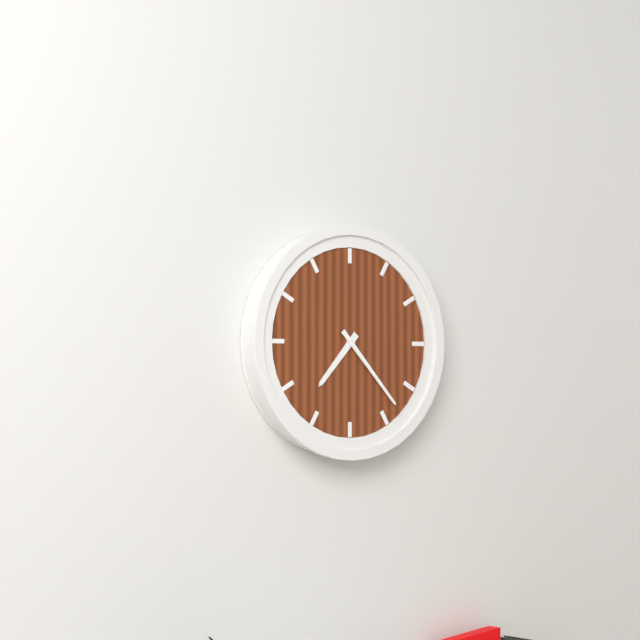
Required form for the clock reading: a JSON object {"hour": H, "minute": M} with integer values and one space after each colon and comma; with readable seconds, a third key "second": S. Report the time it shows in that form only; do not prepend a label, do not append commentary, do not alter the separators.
{"hour": 7, "minute": 23}
